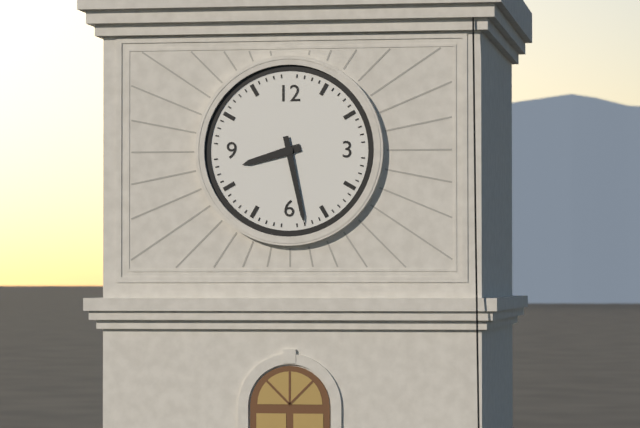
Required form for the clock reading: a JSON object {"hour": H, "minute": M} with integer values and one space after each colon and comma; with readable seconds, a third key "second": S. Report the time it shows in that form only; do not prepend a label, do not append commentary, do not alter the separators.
{"hour": 8, "minute": 28}
